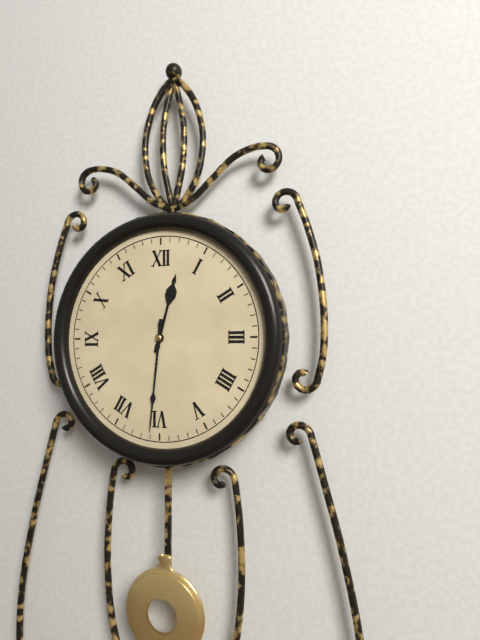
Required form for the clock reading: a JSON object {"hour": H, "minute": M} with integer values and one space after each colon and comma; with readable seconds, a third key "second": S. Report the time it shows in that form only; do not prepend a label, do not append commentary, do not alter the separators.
{"hour": 12, "minute": 31}
